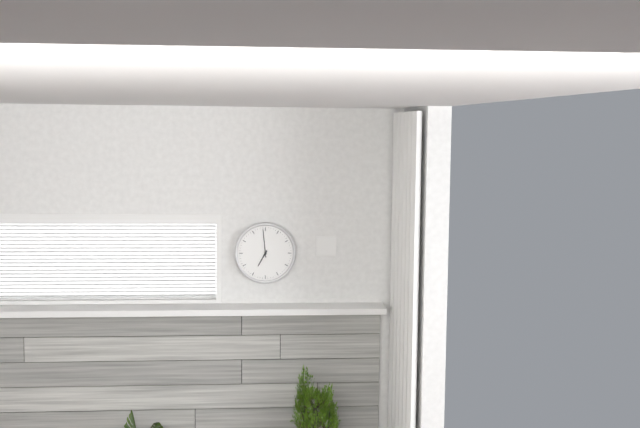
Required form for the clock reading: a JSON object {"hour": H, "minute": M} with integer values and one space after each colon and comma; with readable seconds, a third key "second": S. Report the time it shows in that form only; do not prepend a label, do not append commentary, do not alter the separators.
{"hour": 6, "minute": 59}
